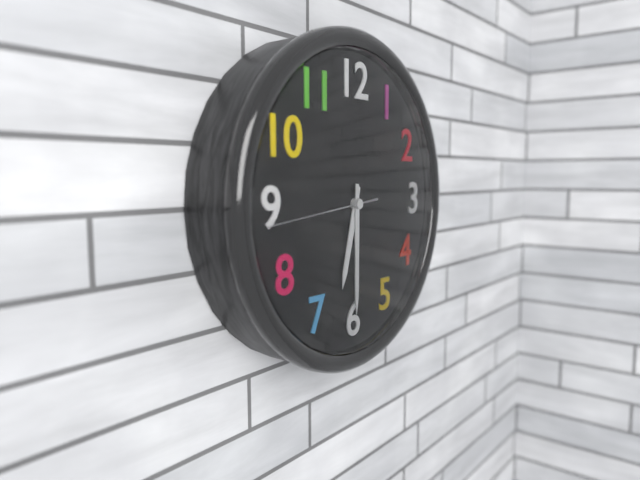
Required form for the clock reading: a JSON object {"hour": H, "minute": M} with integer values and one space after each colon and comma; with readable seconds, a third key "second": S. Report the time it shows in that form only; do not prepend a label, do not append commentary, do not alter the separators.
{"hour": 6, "minute": 30, "second": 44}
